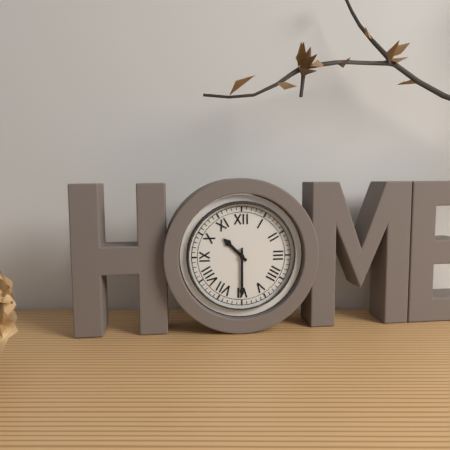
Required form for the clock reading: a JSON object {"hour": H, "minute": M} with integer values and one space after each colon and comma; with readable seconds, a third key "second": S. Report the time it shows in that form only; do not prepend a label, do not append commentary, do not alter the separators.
{"hour": 10, "minute": 30}
